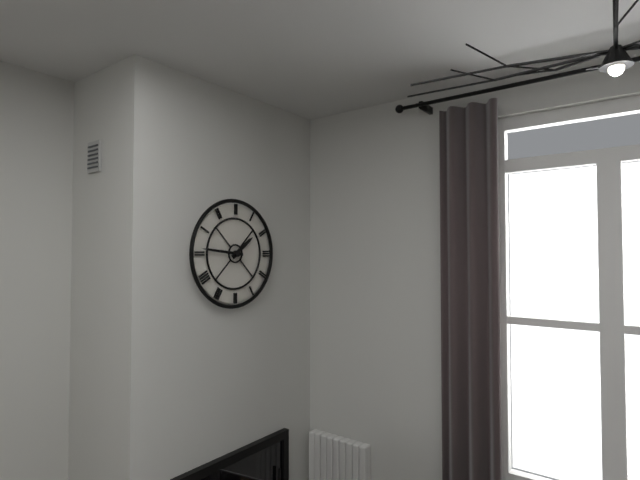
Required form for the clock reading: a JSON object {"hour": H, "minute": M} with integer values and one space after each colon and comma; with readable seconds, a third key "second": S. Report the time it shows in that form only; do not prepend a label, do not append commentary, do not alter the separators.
{"hour": 1, "minute": 46}
